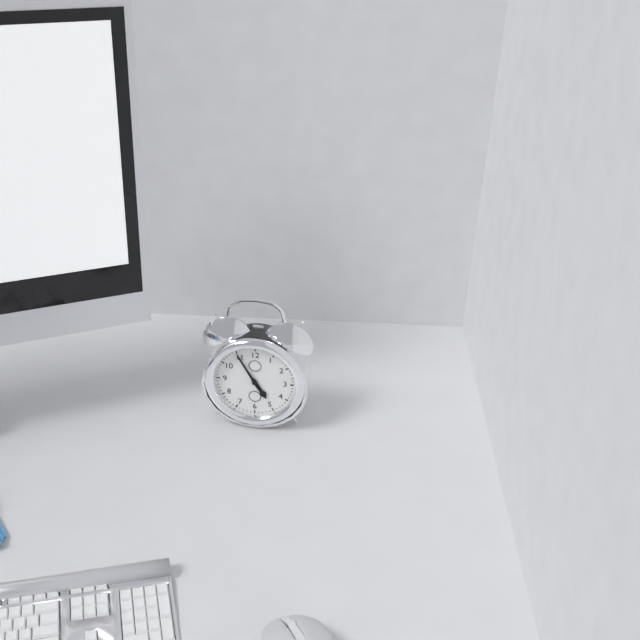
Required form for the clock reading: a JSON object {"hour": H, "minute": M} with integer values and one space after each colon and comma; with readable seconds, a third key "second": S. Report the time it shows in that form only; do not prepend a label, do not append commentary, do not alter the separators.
{"hour": 4, "minute": 55}
